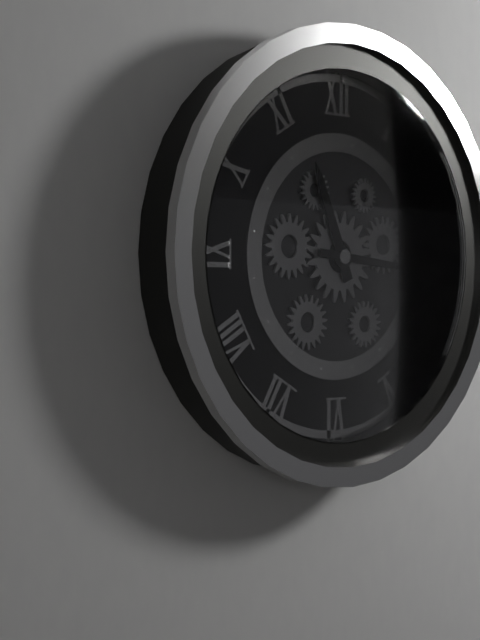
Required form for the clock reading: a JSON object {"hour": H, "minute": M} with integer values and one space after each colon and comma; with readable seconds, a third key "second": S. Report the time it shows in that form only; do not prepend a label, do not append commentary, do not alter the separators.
{"hour": 11, "minute": 16}
